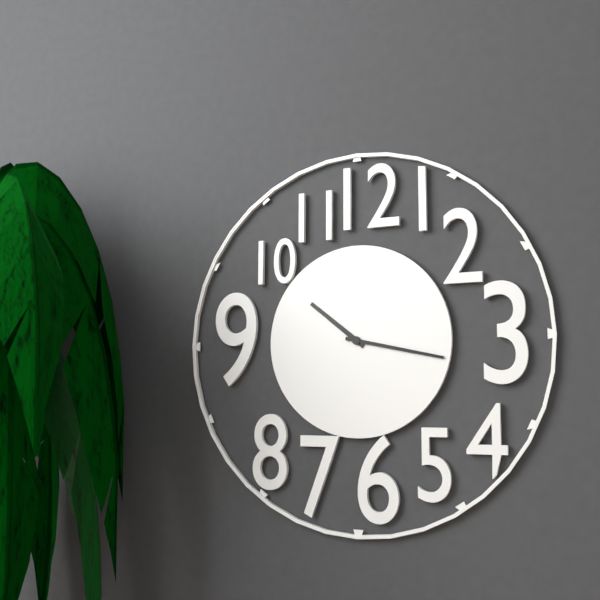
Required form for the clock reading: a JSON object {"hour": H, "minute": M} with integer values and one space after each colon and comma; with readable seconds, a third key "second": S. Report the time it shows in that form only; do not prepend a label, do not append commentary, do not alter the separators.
{"hour": 10, "minute": 17}
